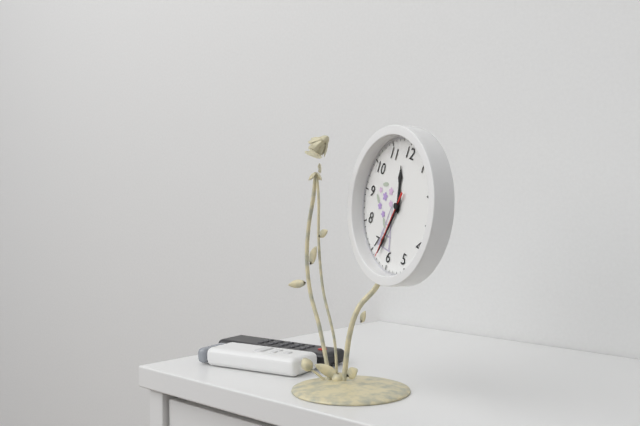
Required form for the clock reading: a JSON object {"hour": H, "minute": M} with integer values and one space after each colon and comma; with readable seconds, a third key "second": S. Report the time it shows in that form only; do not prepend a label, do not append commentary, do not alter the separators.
{"hour": 11, "minute": 33, "second": 33}
